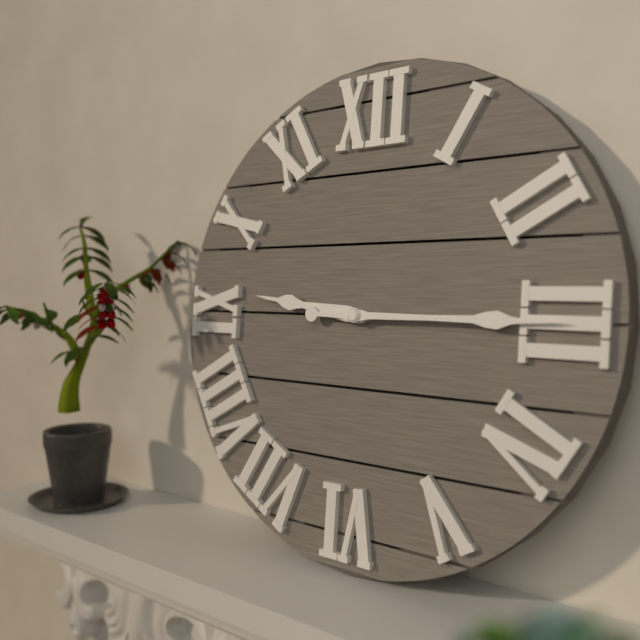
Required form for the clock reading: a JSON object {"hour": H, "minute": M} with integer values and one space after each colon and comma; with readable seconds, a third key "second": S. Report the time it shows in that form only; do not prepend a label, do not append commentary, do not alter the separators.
{"hour": 9, "minute": 15}
